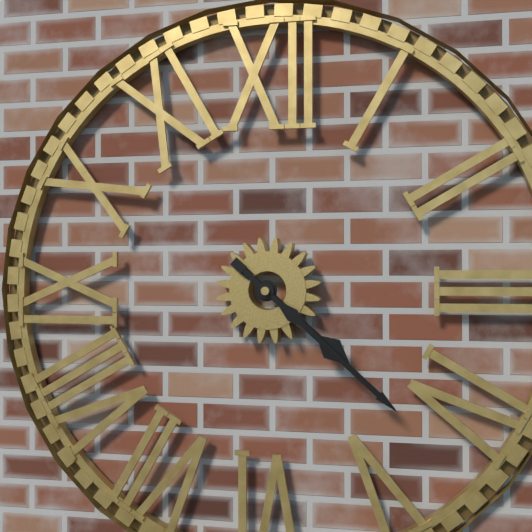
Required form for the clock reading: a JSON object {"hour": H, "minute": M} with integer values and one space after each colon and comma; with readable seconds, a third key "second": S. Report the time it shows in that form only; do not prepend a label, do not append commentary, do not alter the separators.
{"hour": 4, "minute": 22}
